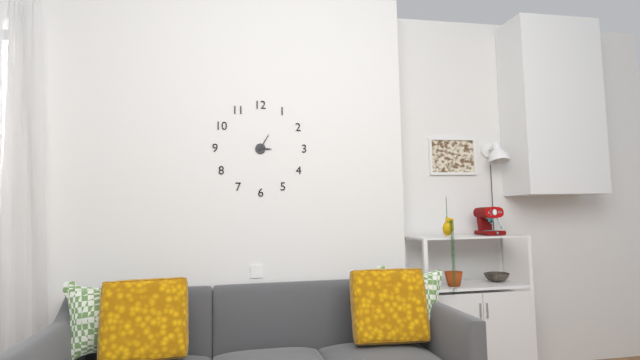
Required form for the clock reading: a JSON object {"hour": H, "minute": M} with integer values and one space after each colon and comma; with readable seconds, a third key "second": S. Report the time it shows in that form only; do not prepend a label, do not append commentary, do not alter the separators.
{"hour": 3, "minute": 5}
